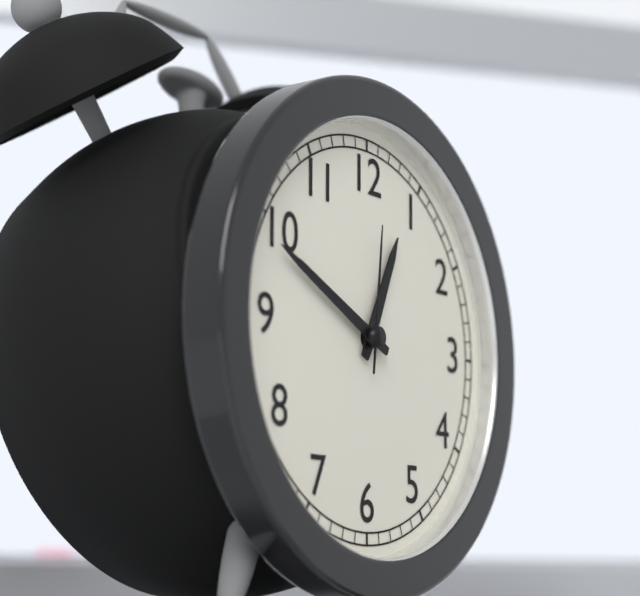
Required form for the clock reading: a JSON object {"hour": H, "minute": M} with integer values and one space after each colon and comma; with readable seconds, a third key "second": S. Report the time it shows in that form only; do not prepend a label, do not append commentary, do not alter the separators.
{"hour": 12, "minute": 49, "second": 1}
